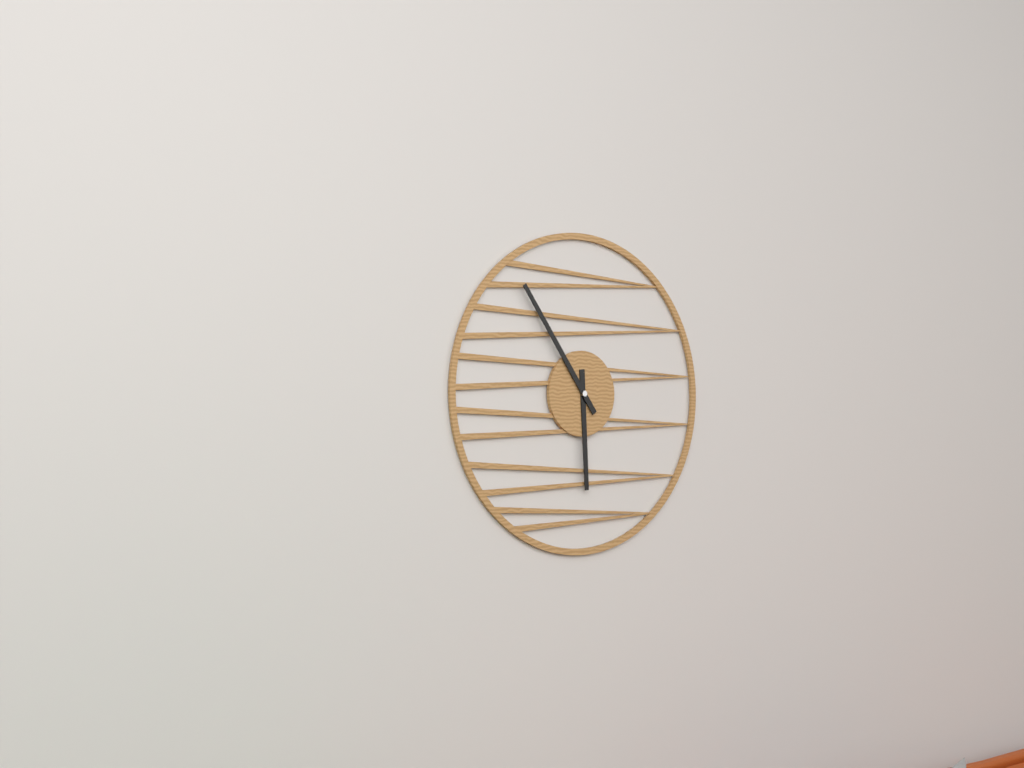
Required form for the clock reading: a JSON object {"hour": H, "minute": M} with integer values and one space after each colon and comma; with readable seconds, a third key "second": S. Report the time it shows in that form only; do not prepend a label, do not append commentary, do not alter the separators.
{"hour": 5, "minute": 54}
